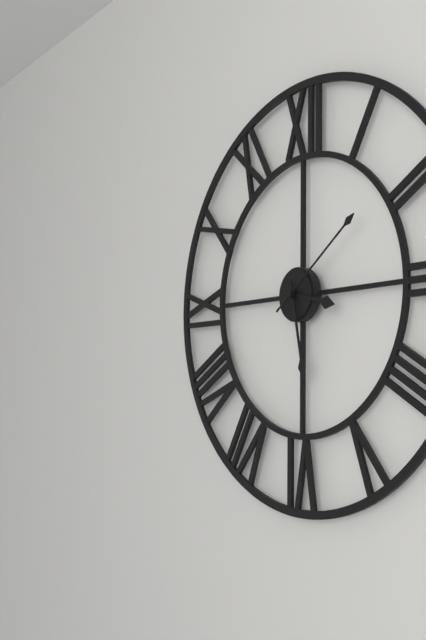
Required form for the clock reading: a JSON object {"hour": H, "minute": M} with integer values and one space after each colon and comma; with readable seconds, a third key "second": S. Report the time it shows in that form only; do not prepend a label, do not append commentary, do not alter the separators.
{"hour": 3, "minute": 28, "second": 9}
